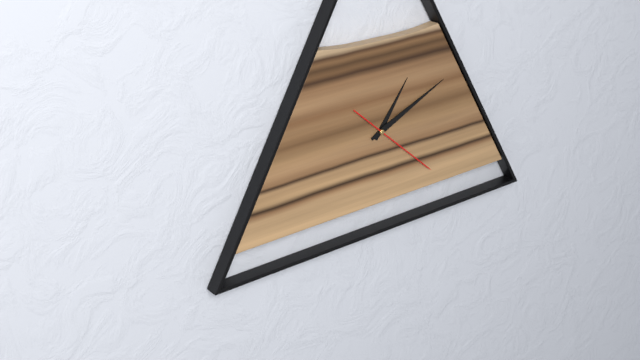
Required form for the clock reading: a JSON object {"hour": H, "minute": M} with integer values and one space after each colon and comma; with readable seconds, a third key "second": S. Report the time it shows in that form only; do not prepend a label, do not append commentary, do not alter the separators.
{"hour": 1, "minute": 11, "second": 22}
